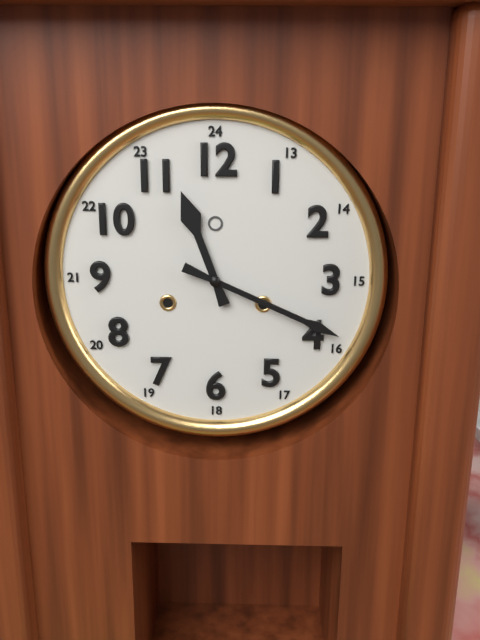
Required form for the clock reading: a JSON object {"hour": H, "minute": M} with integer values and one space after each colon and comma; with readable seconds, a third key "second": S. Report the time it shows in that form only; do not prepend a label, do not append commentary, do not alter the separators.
{"hour": 11, "minute": 19}
